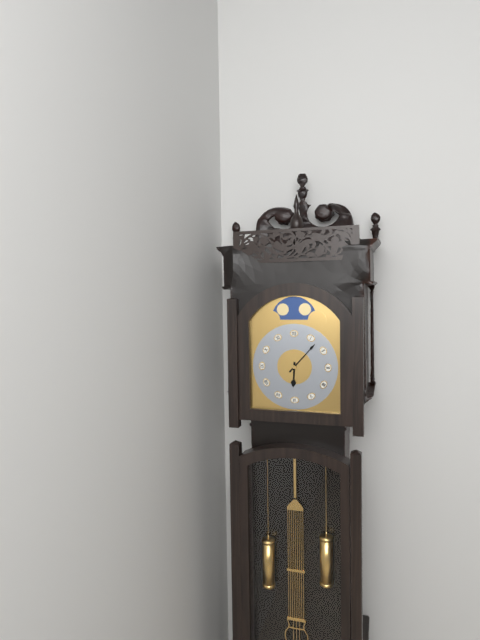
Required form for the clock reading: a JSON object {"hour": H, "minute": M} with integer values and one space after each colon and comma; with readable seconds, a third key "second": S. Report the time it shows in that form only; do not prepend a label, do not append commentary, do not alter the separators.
{"hour": 6, "minute": 7}
